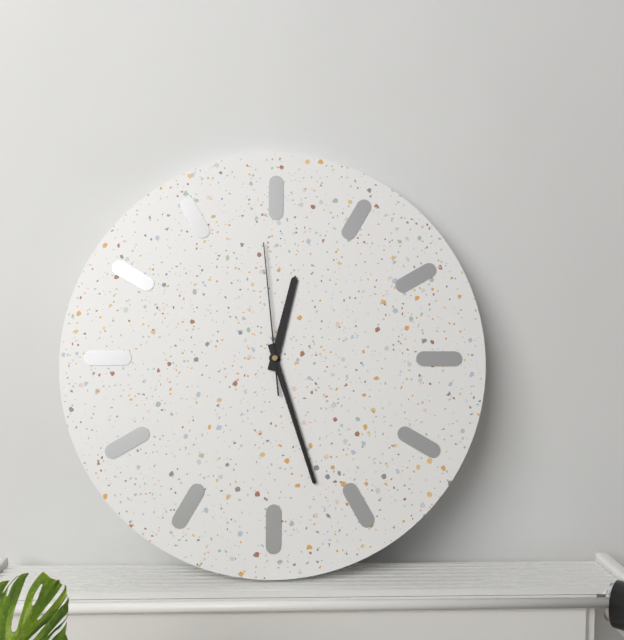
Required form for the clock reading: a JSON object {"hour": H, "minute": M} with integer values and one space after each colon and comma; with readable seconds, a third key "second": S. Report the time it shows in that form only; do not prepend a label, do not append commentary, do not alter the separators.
{"hour": 12, "minute": 27, "second": 59}
